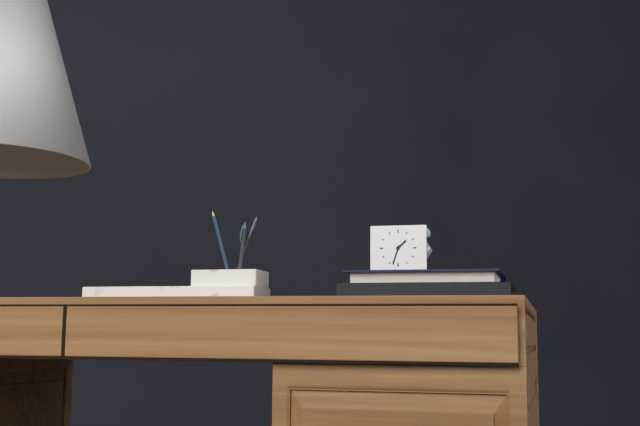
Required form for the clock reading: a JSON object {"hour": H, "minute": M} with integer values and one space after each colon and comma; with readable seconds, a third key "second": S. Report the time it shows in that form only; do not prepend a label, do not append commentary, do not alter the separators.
{"hour": 1, "minute": 33}
